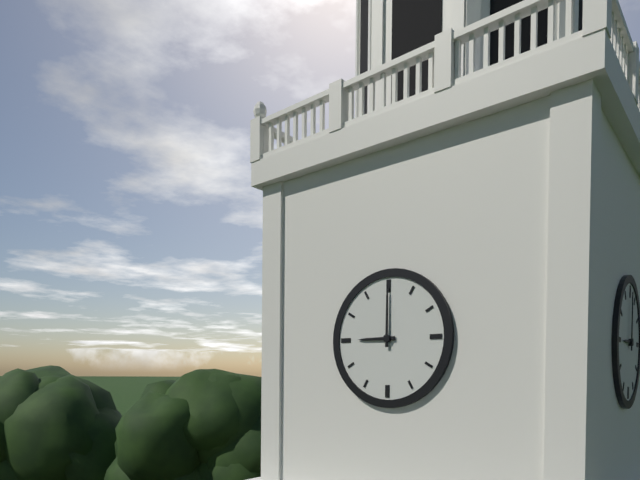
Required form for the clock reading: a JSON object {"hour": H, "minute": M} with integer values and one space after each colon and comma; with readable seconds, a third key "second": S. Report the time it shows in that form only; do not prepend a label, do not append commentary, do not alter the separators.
{"hour": 9, "minute": 0}
